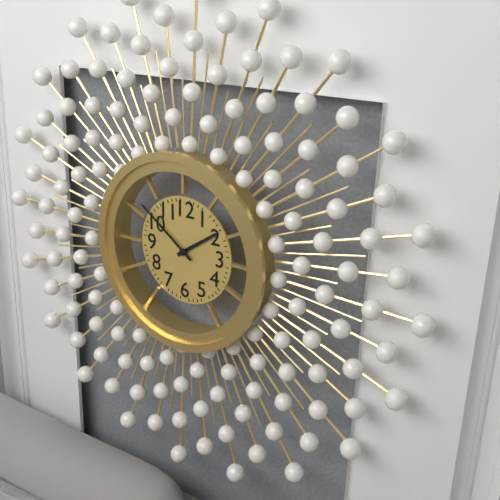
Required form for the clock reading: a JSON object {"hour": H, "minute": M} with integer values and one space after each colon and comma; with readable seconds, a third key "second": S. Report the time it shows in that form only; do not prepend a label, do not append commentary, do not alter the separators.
{"hour": 1, "minute": 51}
